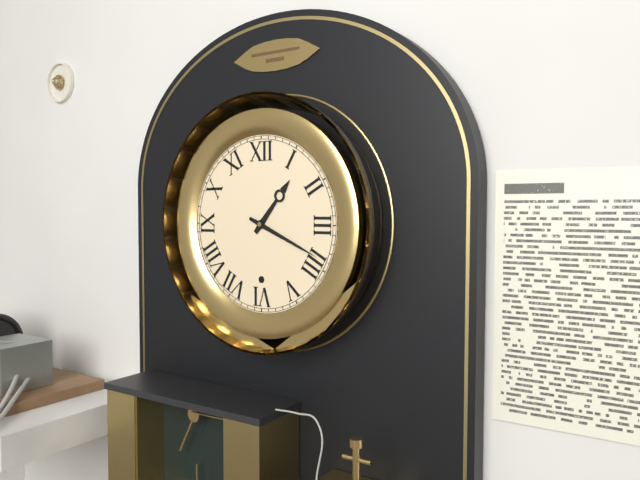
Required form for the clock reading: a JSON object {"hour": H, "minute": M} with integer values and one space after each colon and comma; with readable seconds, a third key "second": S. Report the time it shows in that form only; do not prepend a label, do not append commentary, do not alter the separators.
{"hour": 1, "minute": 19}
